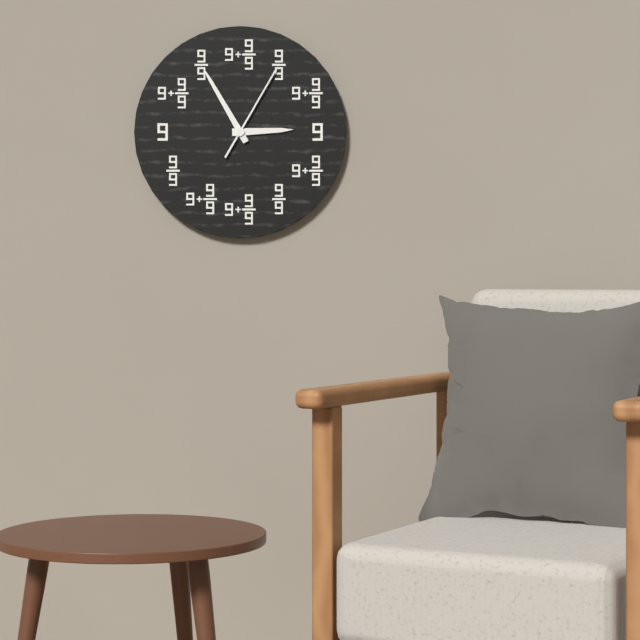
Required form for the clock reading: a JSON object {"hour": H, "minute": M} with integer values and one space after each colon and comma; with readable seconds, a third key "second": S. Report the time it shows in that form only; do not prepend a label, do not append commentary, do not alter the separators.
{"hour": 2, "minute": 55, "second": 5}
